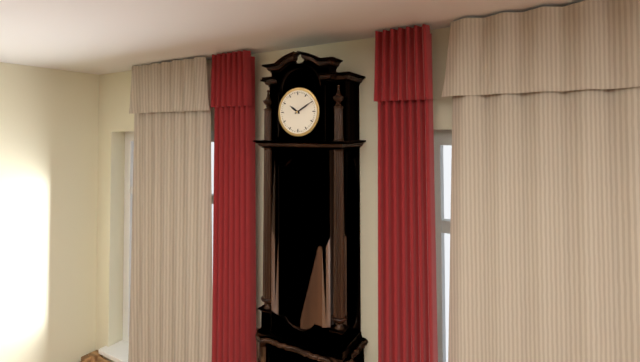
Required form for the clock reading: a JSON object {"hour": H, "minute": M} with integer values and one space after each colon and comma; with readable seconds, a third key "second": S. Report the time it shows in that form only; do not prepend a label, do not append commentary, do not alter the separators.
{"hour": 10, "minute": 10}
